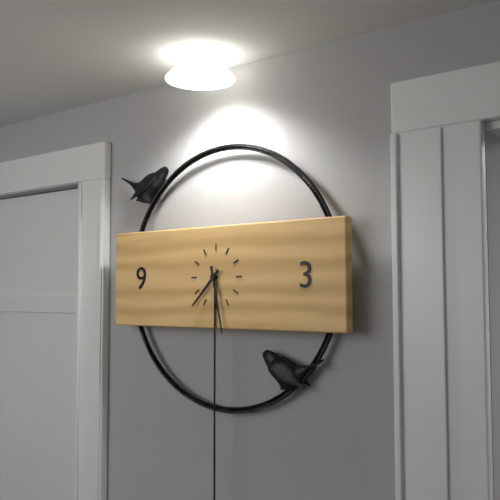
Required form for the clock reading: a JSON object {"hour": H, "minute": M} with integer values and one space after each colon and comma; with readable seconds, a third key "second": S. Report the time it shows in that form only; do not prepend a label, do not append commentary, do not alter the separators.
{"hour": 7, "minute": 28}
